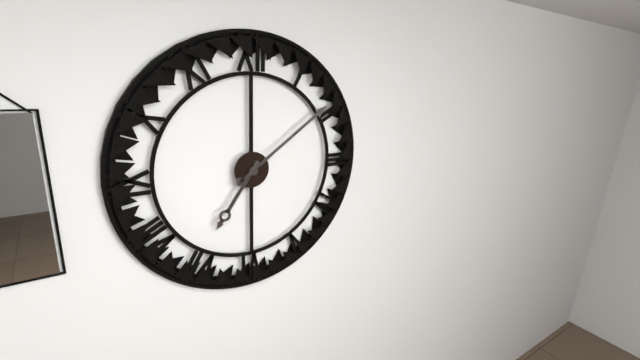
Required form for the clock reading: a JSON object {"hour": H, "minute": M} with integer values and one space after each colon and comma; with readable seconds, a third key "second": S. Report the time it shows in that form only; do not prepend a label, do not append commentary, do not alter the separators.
{"hour": 7, "minute": 9}
